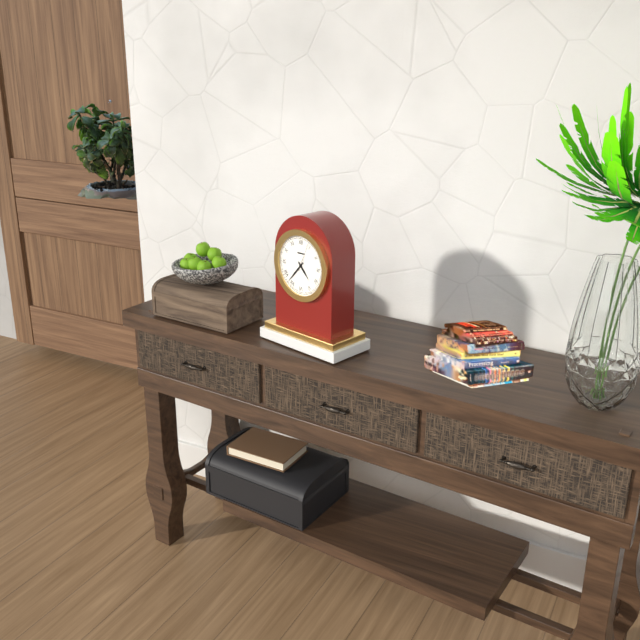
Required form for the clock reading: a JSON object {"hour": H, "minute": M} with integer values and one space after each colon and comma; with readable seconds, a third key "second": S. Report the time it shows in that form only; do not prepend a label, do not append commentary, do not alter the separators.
{"hour": 4, "minute": 37}
